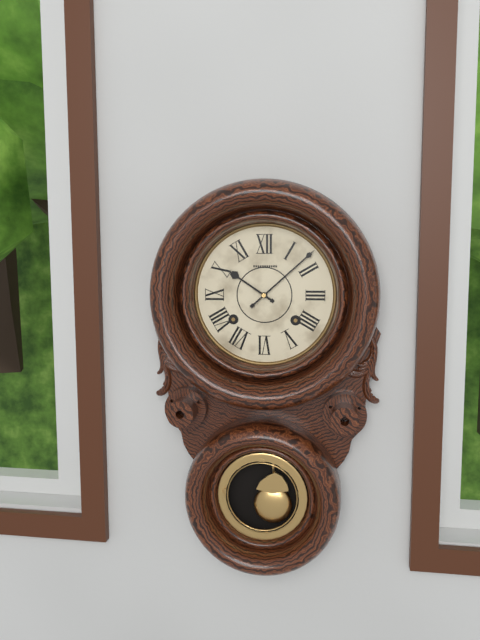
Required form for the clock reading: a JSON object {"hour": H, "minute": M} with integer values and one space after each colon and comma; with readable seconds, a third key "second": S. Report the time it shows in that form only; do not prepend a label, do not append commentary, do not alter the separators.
{"hour": 10, "minute": 8}
